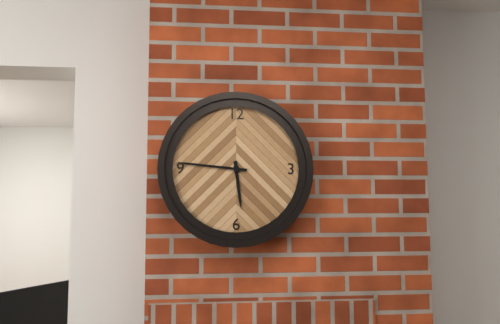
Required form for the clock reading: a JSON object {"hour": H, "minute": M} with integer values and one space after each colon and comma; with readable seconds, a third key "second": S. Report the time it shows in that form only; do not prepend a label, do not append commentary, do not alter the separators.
{"hour": 5, "minute": 46}
